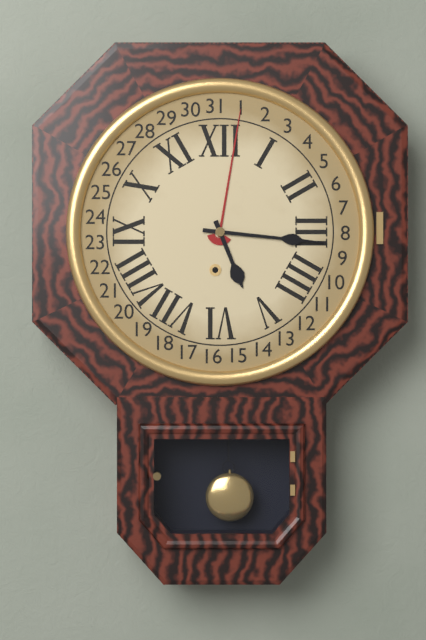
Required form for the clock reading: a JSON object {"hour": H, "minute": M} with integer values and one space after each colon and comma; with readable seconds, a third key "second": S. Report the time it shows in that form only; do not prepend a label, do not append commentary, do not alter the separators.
{"hour": 5, "minute": 16}
